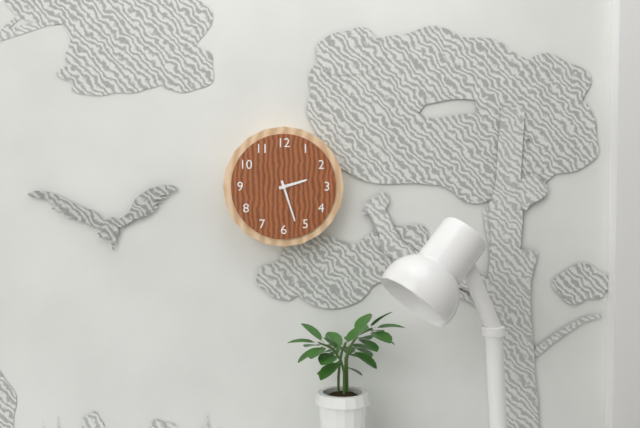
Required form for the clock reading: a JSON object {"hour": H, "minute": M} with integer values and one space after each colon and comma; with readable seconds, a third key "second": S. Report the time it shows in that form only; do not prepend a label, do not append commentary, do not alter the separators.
{"hour": 2, "minute": 27}
